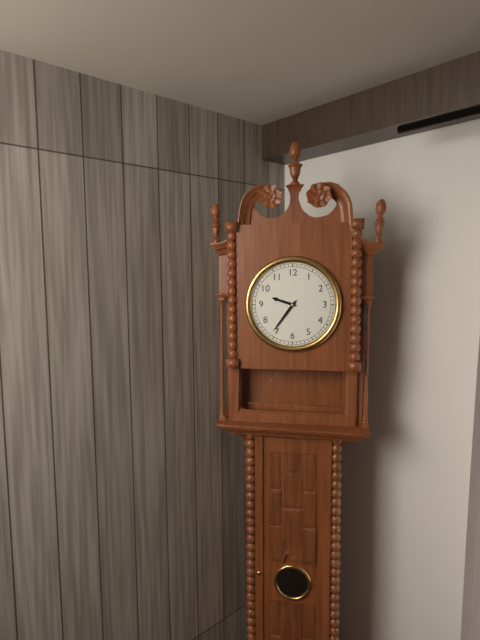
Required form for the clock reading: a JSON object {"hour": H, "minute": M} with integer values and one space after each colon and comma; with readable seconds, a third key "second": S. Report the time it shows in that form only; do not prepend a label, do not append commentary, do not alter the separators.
{"hour": 9, "minute": 36}
